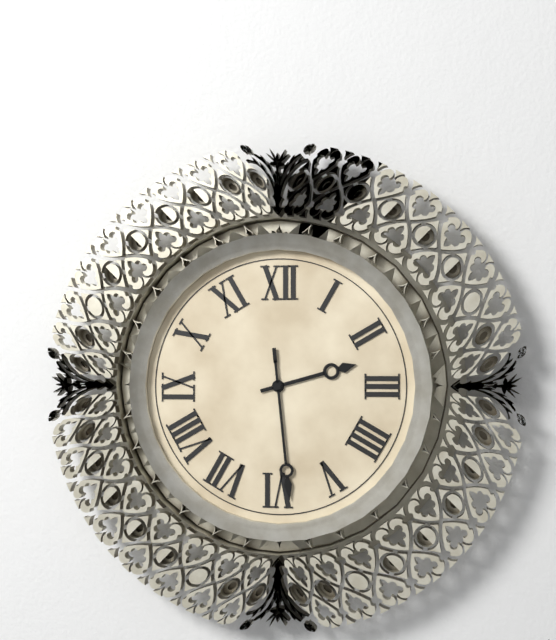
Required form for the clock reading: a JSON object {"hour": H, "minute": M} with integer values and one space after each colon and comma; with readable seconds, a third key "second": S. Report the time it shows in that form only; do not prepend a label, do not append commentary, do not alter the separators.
{"hour": 2, "minute": 29}
